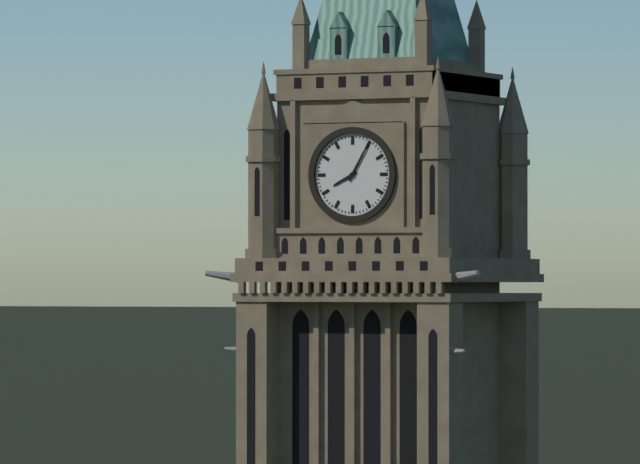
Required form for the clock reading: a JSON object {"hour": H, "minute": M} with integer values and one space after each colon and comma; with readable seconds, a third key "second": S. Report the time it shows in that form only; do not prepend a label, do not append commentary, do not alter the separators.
{"hour": 8, "minute": 5}
